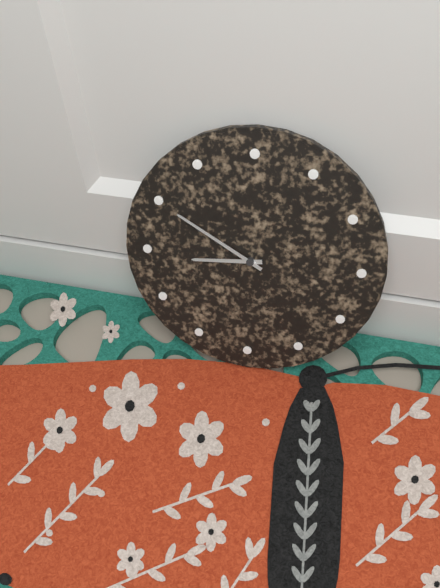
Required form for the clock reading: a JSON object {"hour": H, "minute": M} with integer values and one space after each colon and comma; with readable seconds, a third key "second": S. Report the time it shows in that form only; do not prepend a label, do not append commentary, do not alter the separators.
{"hour": 8, "minute": 50}
